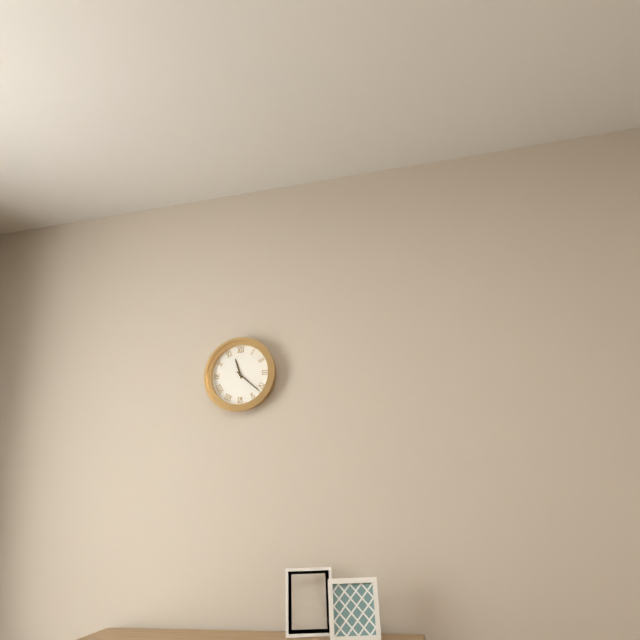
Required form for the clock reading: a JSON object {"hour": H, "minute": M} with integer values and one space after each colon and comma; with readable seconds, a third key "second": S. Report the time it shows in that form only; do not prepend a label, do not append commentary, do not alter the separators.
{"hour": 11, "minute": 22}
